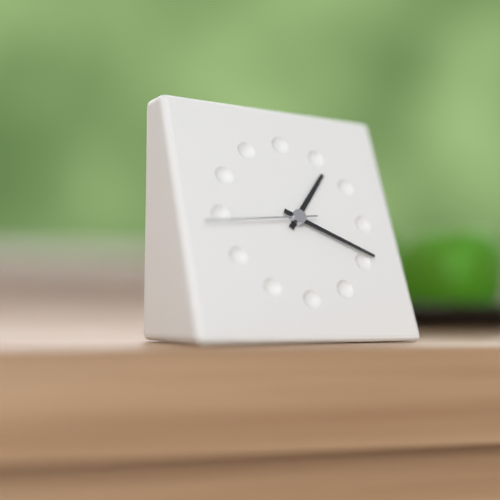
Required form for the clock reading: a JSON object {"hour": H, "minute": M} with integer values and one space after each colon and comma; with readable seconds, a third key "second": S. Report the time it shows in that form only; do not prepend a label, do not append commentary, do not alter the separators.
{"hour": 1, "minute": 19, "second": 44}
